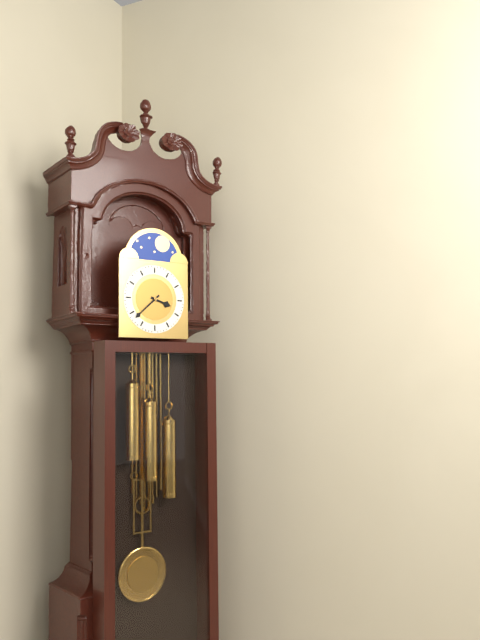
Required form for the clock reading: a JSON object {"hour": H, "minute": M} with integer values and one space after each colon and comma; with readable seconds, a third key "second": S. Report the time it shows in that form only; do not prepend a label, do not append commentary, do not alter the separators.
{"hour": 3, "minute": 38}
